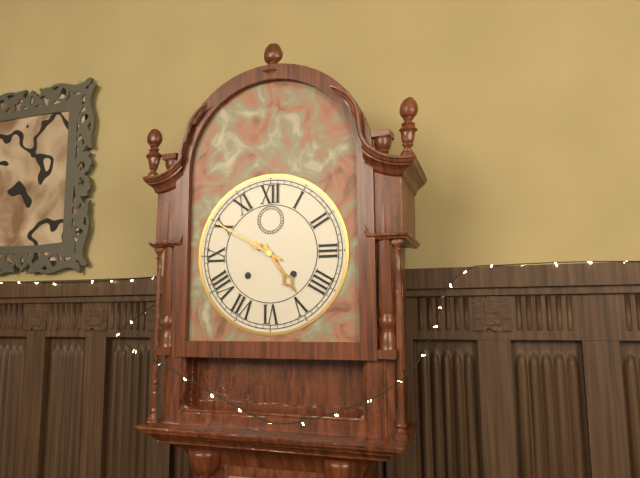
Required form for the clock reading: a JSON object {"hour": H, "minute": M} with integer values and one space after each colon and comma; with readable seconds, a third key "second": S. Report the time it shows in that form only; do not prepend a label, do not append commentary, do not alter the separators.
{"hour": 4, "minute": 50}
